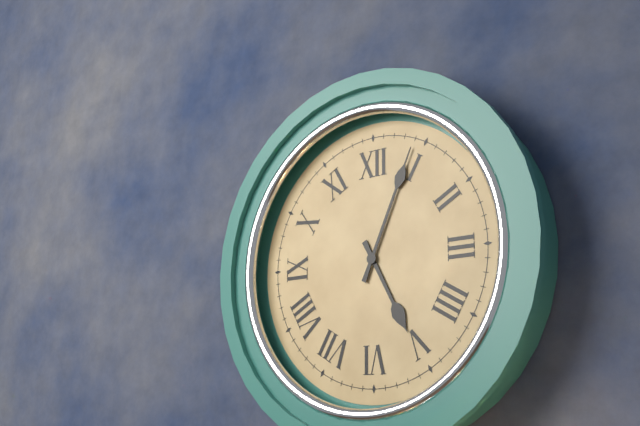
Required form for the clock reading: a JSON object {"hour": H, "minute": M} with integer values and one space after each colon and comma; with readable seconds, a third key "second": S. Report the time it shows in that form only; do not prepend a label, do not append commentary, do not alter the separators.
{"hour": 5, "minute": 4}
